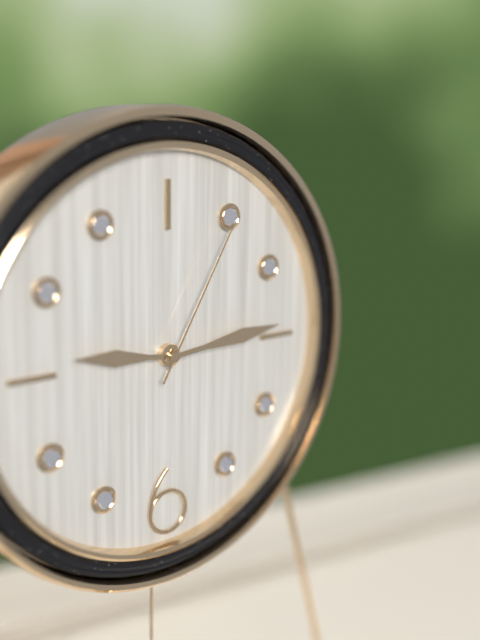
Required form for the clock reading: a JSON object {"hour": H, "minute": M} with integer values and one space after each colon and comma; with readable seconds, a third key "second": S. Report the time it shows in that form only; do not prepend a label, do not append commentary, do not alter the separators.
{"hour": 9, "minute": 14, "second": 5}
